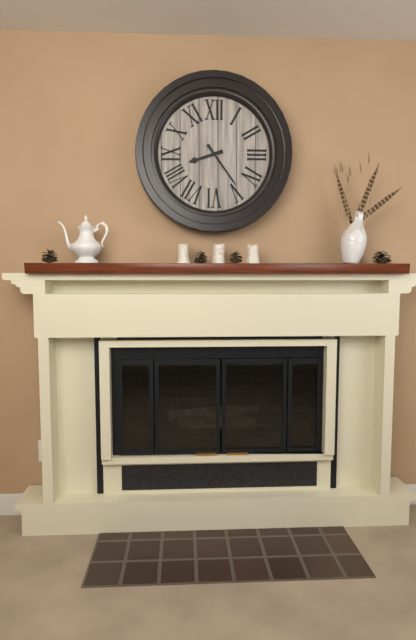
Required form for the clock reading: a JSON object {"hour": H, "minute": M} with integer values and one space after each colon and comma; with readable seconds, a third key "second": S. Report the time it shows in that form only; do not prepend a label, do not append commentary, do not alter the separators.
{"hour": 8, "minute": 24}
